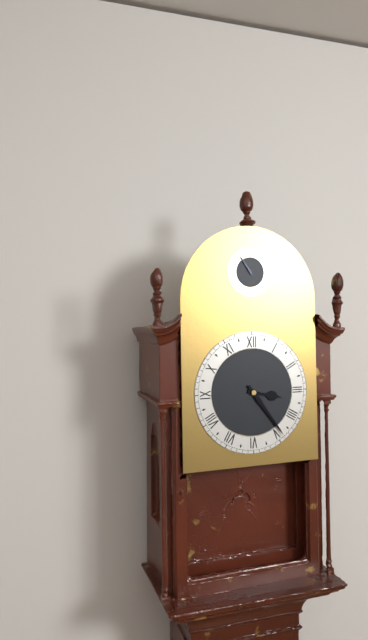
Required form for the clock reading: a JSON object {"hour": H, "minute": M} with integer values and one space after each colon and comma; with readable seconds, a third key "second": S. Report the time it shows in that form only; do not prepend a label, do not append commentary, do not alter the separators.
{"hour": 3, "minute": 24}
